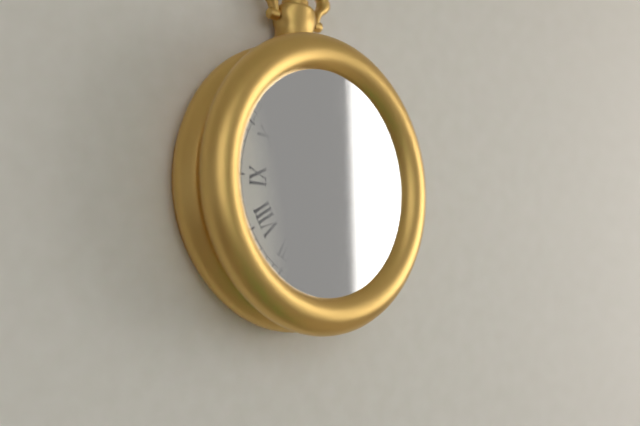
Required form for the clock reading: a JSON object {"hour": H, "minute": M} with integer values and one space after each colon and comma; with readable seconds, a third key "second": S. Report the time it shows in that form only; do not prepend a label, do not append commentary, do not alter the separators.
{"hour": 6, "minute": 2}
